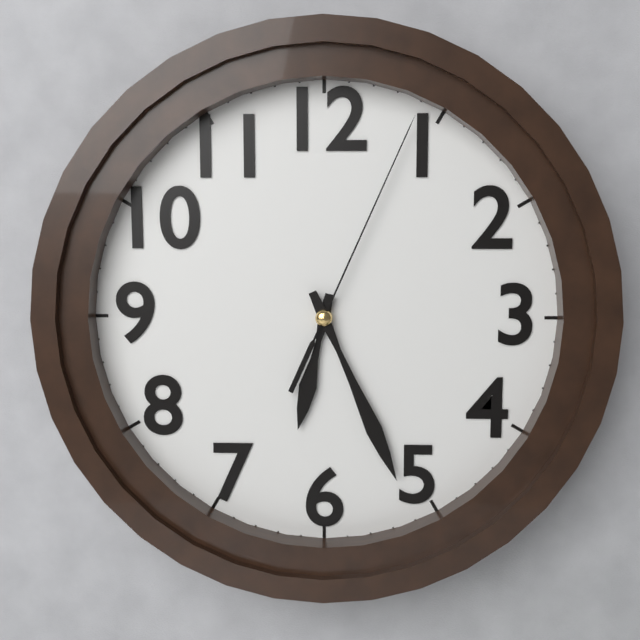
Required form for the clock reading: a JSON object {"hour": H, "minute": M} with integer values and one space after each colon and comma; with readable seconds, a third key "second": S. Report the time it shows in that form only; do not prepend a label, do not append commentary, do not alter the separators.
{"hour": 6, "minute": 26, "second": 4}
